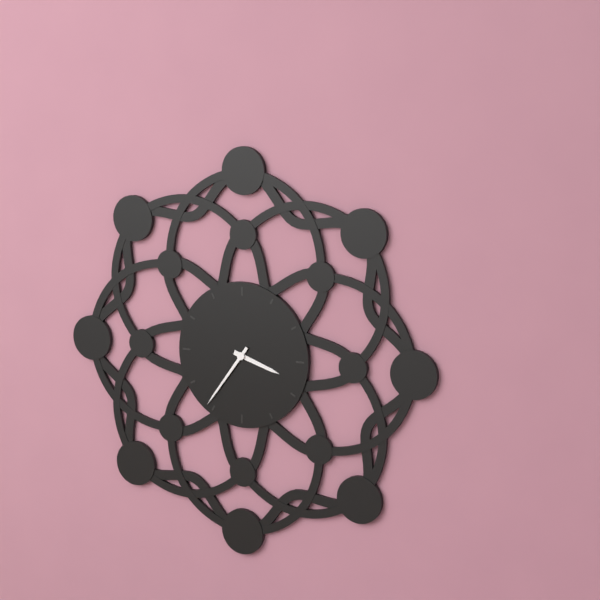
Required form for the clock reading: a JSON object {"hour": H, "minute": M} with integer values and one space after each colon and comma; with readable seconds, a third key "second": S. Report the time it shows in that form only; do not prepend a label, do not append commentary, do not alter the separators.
{"hour": 3, "minute": 36}
